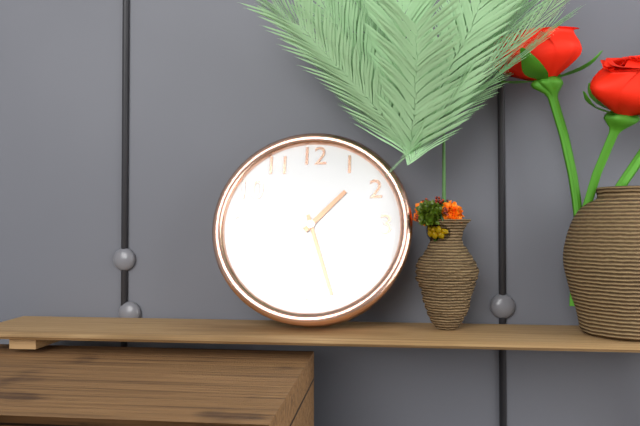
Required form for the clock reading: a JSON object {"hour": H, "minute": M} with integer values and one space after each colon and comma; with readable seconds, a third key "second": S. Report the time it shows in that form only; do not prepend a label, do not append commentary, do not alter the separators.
{"hour": 1, "minute": 27}
